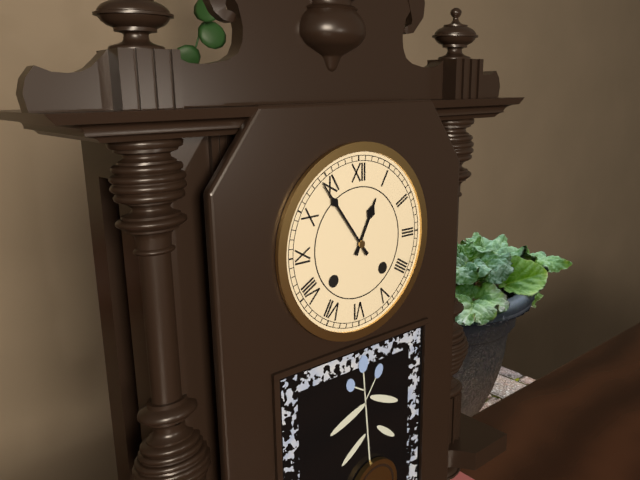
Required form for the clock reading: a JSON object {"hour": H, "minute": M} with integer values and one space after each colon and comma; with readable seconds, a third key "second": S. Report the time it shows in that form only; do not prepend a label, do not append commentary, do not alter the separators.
{"hour": 12, "minute": 54}
